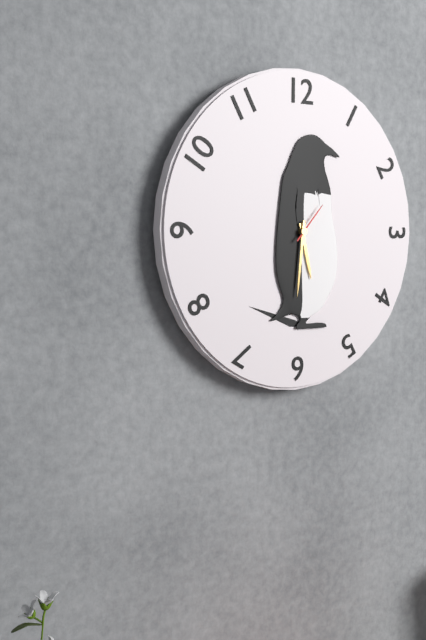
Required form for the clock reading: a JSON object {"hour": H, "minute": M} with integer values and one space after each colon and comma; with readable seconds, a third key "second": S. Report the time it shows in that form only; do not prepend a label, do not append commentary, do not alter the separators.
{"hour": 5, "minute": 31}
